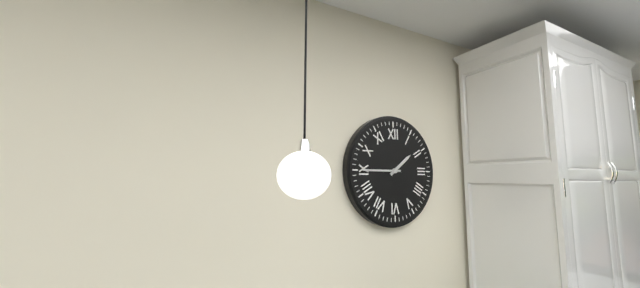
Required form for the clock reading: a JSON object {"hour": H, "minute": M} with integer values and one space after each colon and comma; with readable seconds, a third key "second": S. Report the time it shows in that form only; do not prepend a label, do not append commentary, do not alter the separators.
{"hour": 1, "minute": 45}
